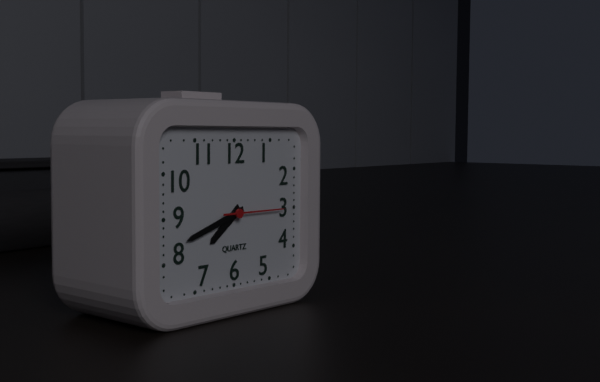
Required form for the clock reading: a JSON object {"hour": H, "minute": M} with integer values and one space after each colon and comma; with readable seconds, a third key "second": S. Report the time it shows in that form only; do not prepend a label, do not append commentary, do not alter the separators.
{"hour": 7, "minute": 42, "second": 15}
